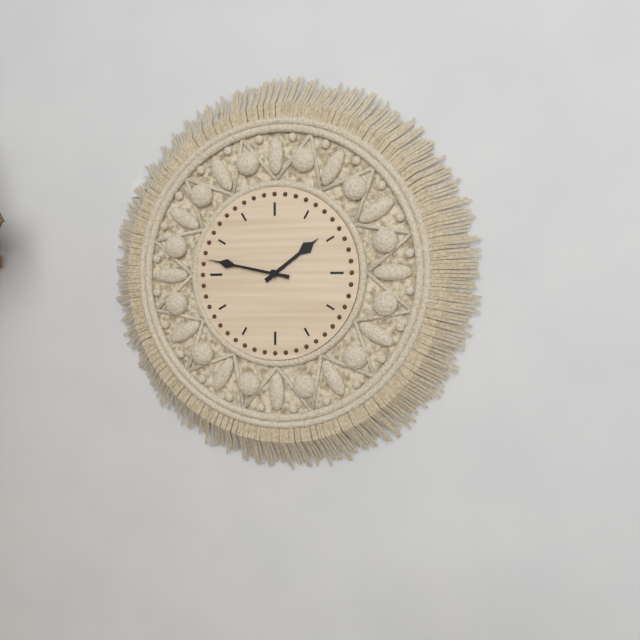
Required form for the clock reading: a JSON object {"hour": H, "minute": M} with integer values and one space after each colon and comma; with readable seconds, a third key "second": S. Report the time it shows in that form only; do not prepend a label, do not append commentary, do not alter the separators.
{"hour": 1, "minute": 47}
